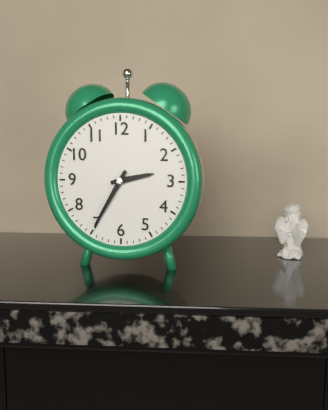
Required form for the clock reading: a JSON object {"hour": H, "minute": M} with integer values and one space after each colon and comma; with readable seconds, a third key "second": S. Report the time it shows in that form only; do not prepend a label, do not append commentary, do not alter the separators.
{"hour": 2, "minute": 35}
